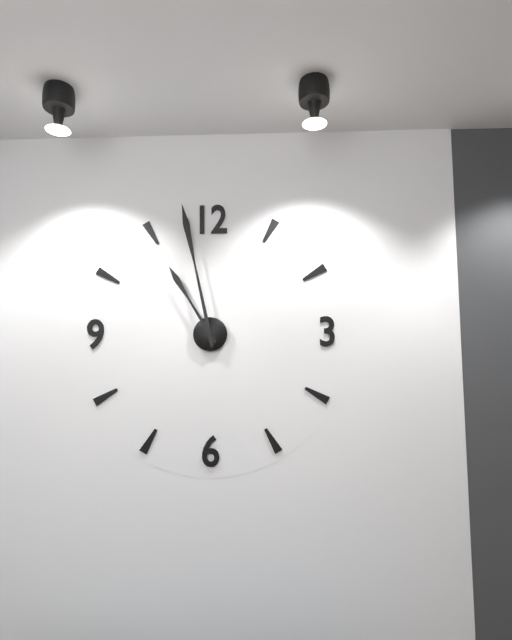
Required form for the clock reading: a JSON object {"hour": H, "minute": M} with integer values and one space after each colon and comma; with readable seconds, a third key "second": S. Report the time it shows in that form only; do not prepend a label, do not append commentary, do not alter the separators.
{"hour": 10, "minute": 58}
